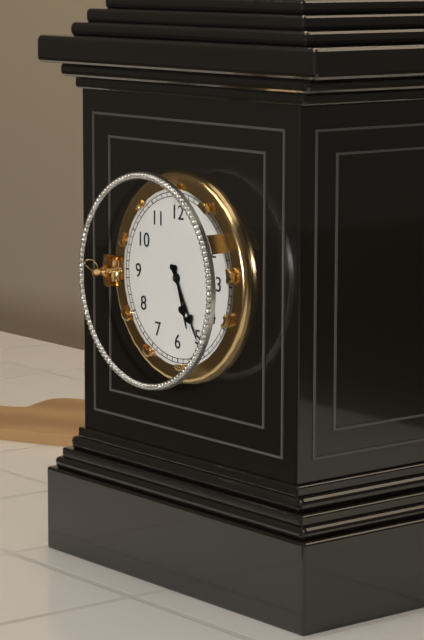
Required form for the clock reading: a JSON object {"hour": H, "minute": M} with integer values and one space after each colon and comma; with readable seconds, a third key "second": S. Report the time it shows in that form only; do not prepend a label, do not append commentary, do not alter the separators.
{"hour": 5, "minute": 25}
